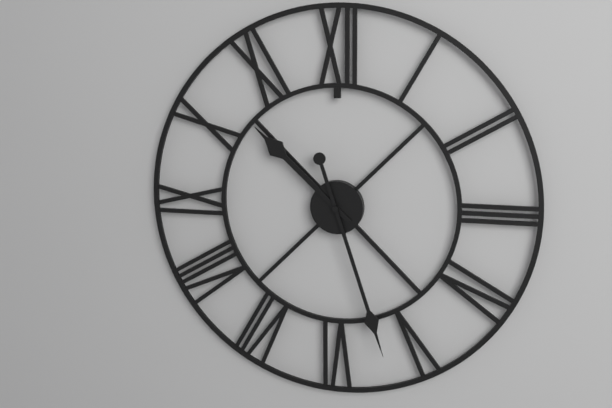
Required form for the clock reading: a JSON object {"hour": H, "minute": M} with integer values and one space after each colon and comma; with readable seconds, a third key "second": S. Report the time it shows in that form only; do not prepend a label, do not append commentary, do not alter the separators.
{"hour": 10, "minute": 27}
